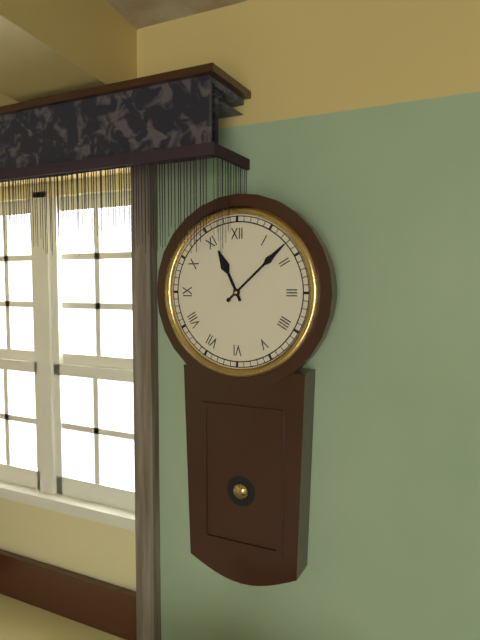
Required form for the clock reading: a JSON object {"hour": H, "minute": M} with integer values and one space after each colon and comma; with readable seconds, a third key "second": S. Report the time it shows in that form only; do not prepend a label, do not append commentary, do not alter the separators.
{"hour": 11, "minute": 8}
